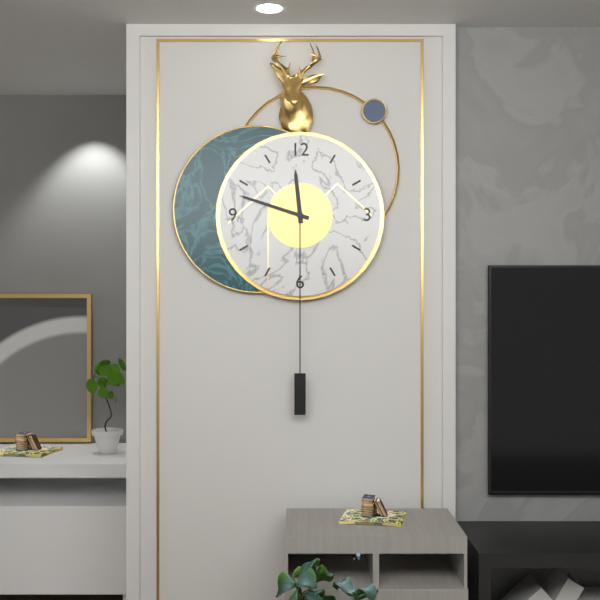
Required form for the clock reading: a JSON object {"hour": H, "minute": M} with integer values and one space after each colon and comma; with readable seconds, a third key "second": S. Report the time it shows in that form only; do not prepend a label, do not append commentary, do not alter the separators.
{"hour": 11, "minute": 48}
